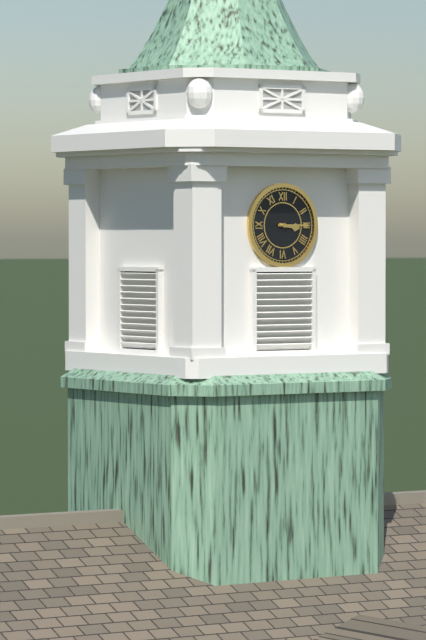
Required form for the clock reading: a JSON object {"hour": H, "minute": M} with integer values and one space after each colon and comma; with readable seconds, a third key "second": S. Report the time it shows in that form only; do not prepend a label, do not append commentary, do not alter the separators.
{"hour": 3, "minute": 15}
